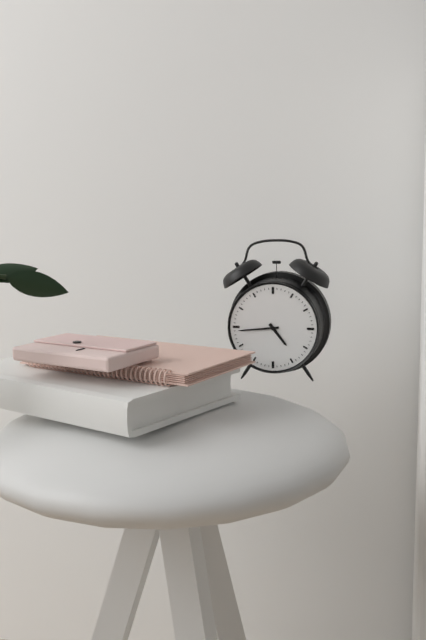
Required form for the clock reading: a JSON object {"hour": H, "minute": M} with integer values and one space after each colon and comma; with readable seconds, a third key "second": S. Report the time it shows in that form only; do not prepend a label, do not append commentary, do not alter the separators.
{"hour": 4, "minute": 44}
